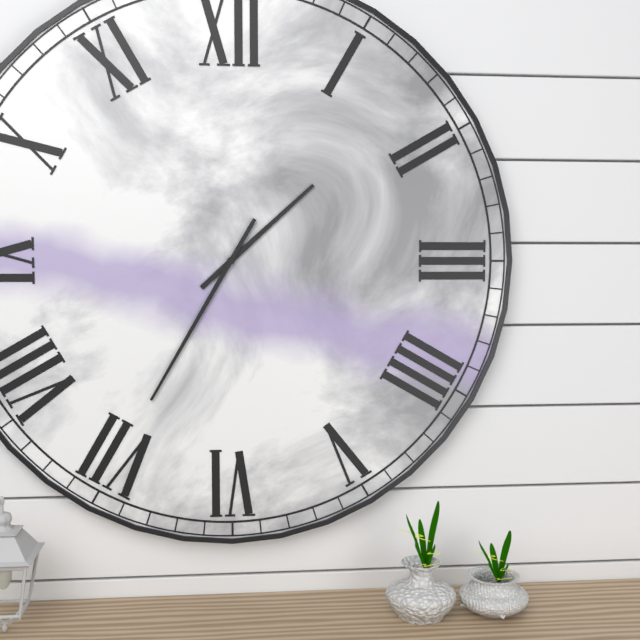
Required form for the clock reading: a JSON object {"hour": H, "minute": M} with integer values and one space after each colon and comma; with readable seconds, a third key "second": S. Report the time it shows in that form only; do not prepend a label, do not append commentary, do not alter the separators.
{"hour": 1, "minute": 35}
